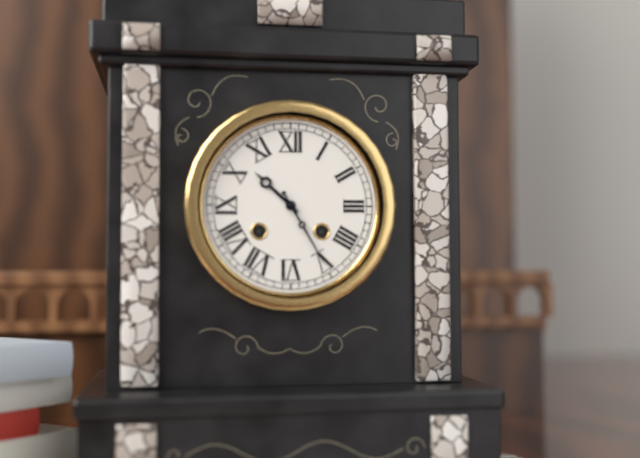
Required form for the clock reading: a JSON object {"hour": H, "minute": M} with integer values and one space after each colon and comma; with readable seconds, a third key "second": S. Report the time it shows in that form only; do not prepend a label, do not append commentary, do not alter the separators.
{"hour": 10, "minute": 25}
